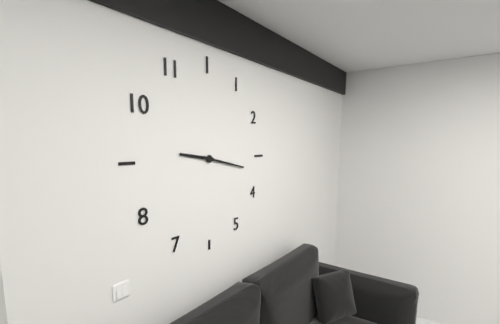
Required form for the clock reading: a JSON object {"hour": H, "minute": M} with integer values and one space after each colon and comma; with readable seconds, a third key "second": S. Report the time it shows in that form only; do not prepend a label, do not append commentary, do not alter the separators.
{"hour": 9, "minute": 17}
